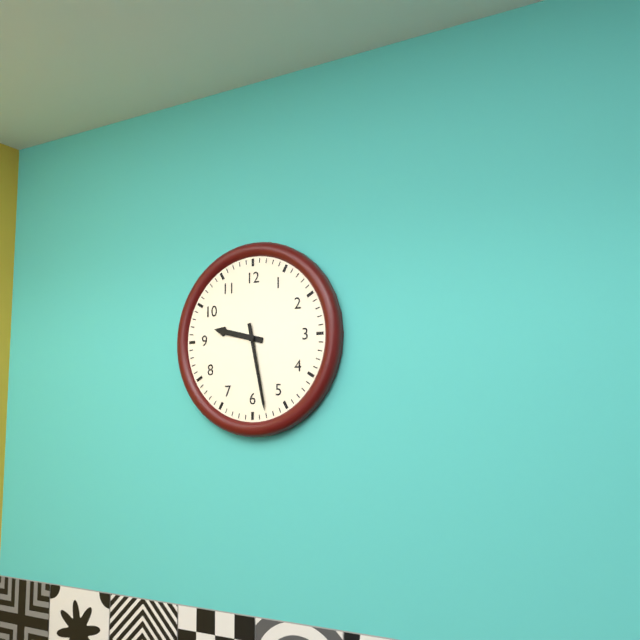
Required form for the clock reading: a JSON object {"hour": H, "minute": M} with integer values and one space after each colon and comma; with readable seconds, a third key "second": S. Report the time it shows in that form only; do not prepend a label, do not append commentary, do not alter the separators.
{"hour": 9, "minute": 28}
